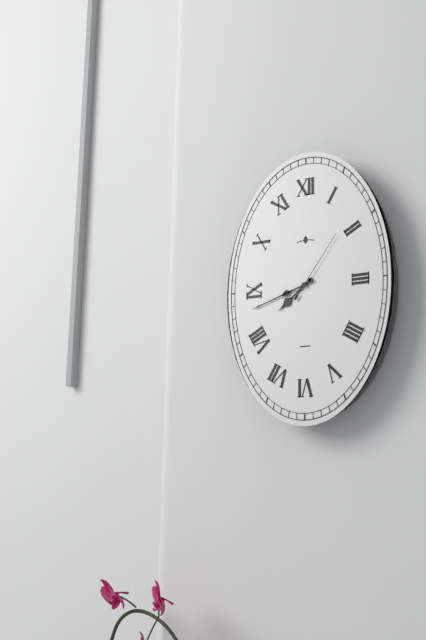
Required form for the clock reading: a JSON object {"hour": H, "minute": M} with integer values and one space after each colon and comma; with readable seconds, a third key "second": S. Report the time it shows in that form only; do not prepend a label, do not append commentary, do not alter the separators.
{"hour": 7, "minute": 42, "second": 6}
